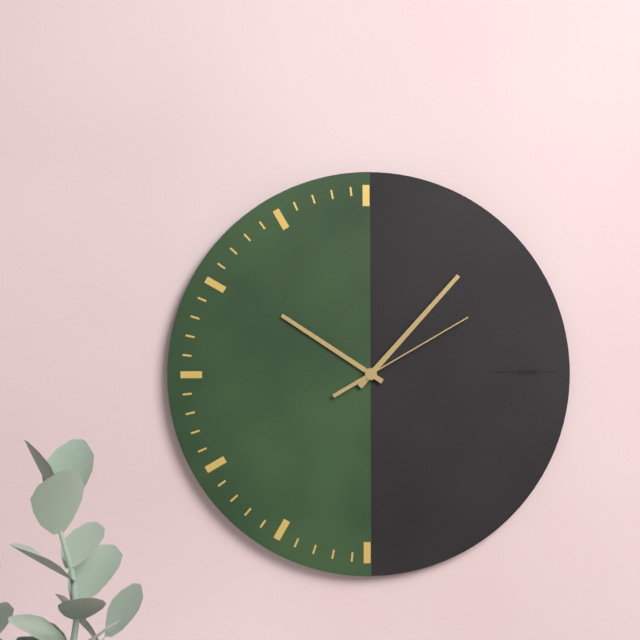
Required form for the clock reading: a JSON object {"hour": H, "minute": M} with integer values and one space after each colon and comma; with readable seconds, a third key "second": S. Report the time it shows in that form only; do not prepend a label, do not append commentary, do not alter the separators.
{"hour": 10, "minute": 7, "second": 10}
